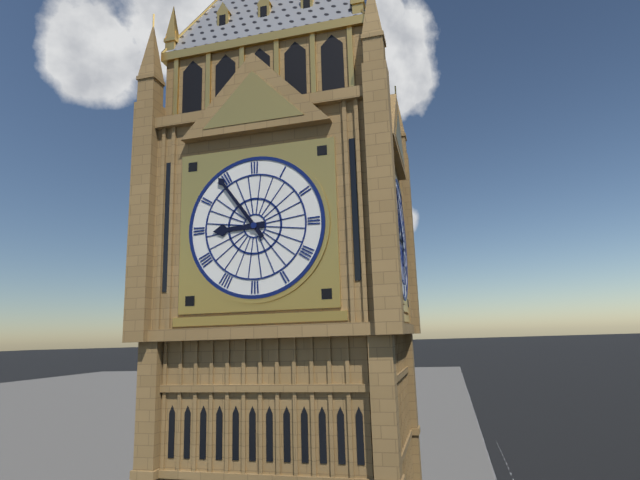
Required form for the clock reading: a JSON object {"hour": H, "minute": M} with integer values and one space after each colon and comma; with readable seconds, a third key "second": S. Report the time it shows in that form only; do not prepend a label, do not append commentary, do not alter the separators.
{"hour": 8, "minute": 54}
